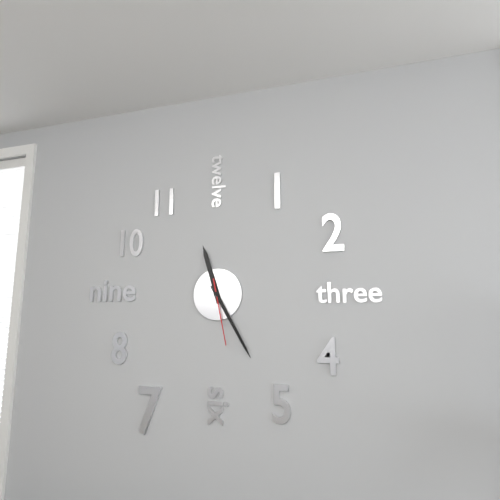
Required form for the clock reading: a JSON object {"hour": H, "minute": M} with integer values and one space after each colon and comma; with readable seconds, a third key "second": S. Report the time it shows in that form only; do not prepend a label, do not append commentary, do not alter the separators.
{"hour": 11, "minute": 25, "second": 28}
